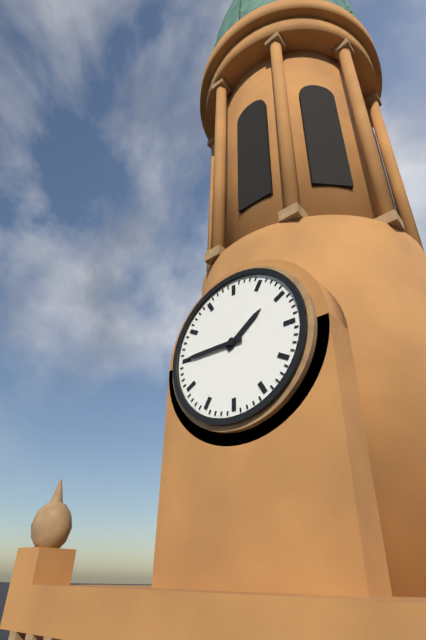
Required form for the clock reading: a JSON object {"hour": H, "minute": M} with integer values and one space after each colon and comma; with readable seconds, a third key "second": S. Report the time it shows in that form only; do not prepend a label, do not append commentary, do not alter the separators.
{"hour": 1, "minute": 45}
